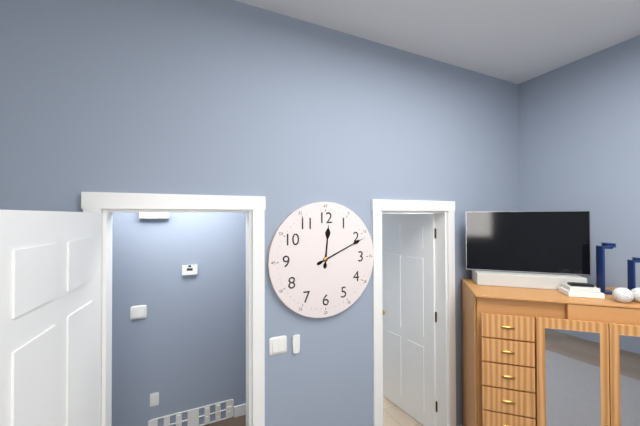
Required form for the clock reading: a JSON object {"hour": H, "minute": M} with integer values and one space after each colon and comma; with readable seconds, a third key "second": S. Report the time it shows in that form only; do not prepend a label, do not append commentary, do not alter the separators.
{"hour": 12, "minute": 11}
